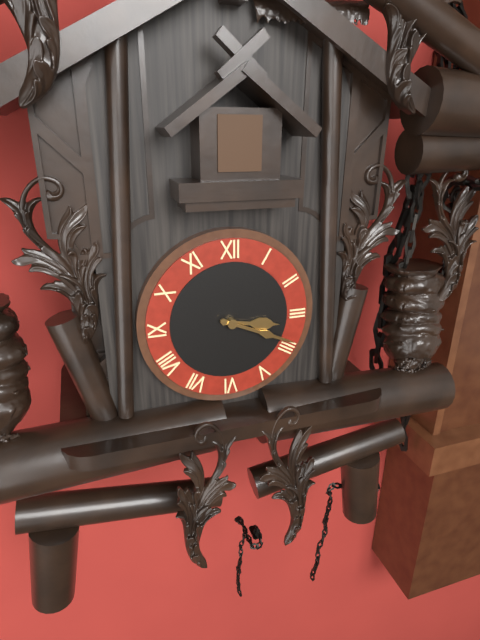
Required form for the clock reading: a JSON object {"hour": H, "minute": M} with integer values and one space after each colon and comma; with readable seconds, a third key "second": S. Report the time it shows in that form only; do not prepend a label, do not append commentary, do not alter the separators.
{"hour": 3, "minute": 19}
